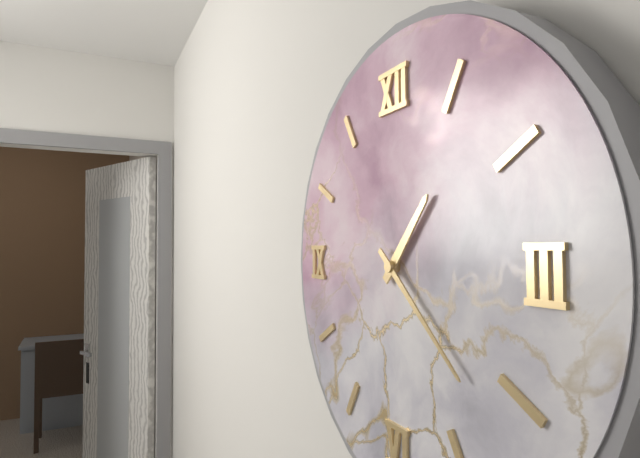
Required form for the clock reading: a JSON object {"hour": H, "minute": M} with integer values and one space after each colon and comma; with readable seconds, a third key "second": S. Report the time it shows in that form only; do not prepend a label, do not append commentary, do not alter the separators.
{"hour": 1, "minute": 22}
